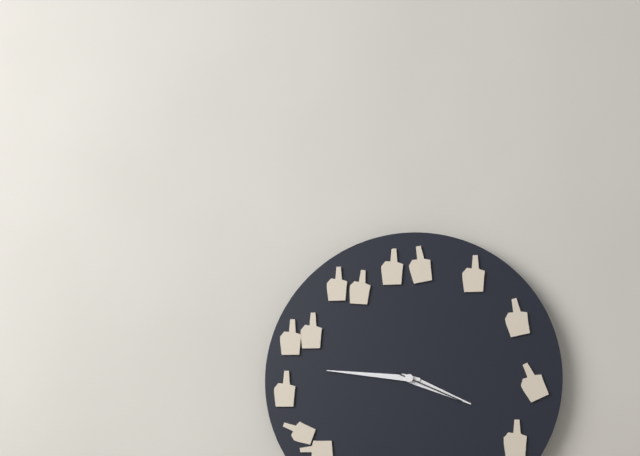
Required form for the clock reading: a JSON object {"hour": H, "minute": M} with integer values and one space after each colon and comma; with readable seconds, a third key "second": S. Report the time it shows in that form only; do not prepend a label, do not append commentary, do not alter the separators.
{"hour": 3, "minute": 46, "second": 19}
